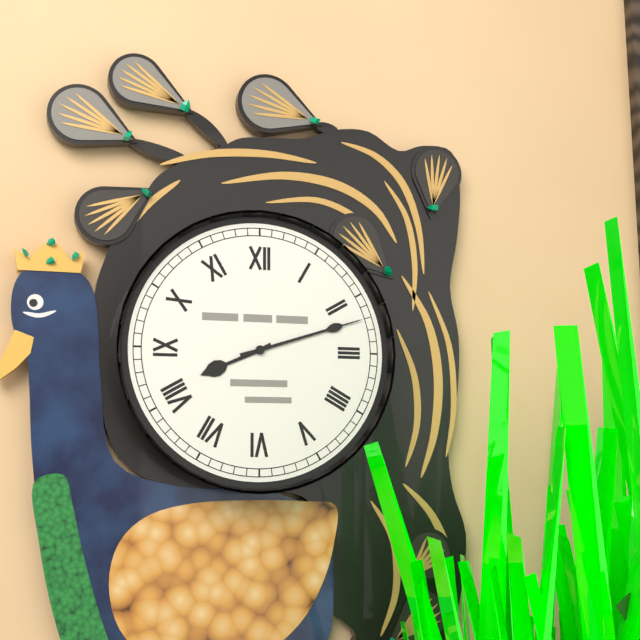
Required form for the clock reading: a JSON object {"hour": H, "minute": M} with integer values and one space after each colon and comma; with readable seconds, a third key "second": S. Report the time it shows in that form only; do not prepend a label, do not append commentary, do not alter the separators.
{"hour": 8, "minute": 12}
